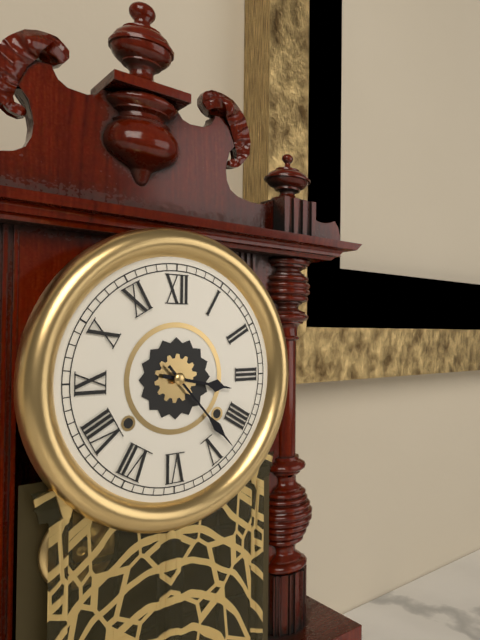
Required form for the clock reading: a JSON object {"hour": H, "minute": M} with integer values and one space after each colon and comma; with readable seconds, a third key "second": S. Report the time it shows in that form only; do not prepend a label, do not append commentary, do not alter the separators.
{"hour": 3, "minute": 23}
